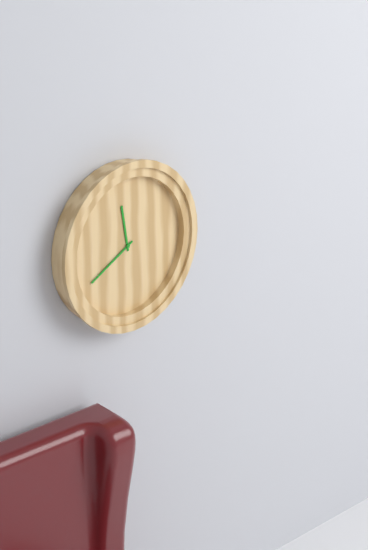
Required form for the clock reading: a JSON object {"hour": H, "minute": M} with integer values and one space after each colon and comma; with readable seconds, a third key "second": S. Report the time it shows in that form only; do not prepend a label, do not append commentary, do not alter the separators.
{"hour": 11, "minute": 40}
